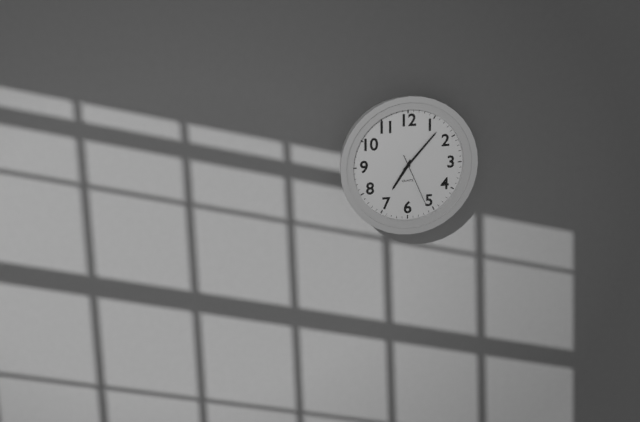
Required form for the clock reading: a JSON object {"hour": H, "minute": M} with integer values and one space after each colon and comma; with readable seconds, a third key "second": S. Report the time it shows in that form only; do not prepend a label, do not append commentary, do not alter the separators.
{"hour": 7, "minute": 7, "second": 26}
